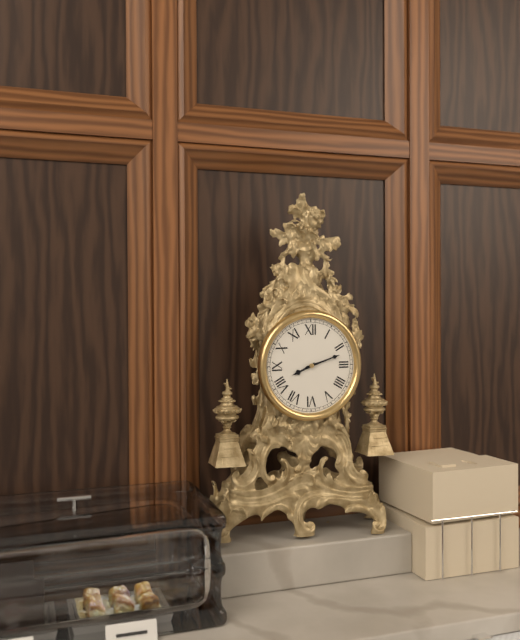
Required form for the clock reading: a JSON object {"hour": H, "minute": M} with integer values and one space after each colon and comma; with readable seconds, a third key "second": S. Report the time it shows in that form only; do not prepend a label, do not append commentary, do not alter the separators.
{"hour": 8, "minute": 12}
